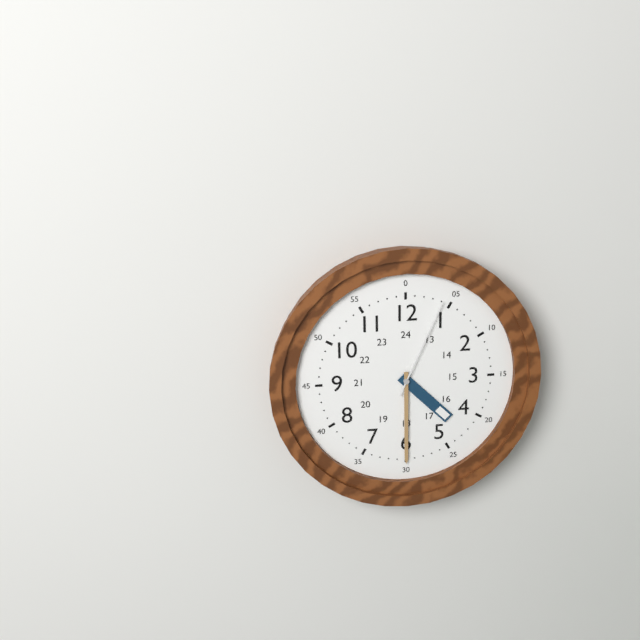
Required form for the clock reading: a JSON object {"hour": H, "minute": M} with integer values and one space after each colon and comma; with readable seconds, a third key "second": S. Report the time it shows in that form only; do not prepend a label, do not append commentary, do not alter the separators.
{"hour": 4, "minute": 30, "second": 4}
